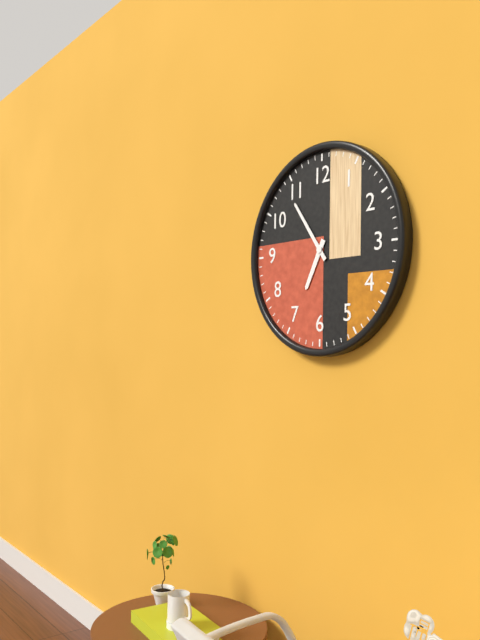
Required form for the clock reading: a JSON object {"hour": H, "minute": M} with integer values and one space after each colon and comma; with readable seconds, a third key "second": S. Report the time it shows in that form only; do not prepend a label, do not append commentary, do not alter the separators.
{"hour": 6, "minute": 54}
